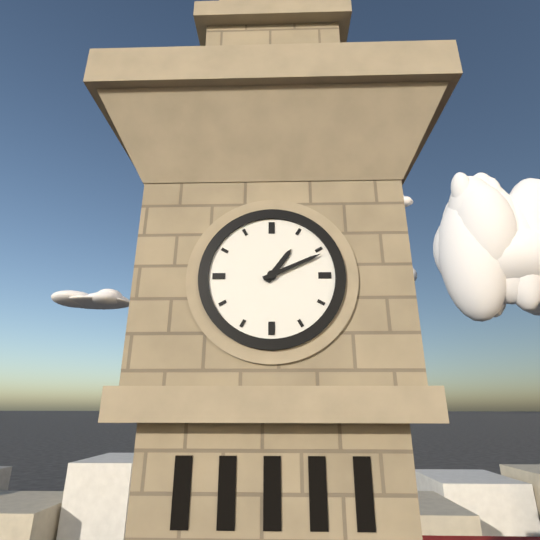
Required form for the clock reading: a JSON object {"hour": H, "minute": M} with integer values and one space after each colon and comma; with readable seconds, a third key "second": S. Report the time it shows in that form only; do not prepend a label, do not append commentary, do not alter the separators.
{"hour": 1, "minute": 11}
